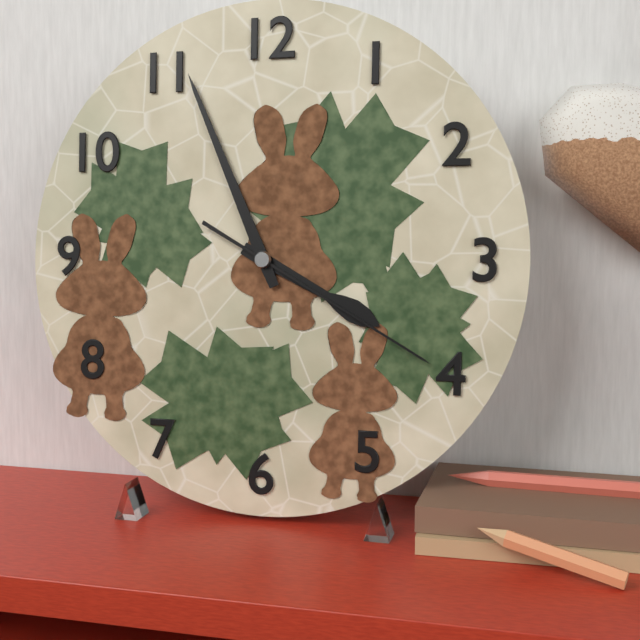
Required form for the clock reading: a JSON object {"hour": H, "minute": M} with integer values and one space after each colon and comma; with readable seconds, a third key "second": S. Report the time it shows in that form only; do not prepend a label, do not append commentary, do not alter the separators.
{"hour": 3, "minute": 56, "second": 20}
